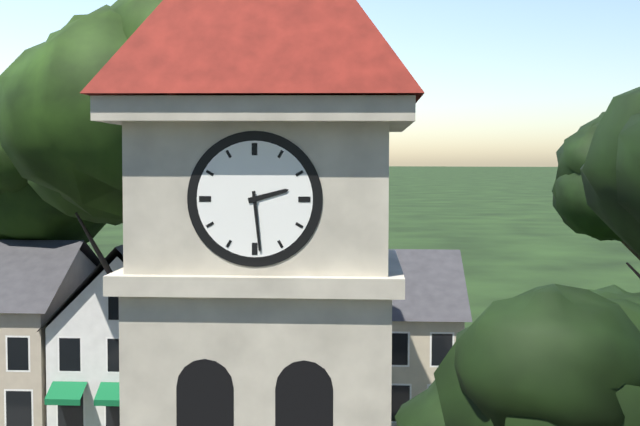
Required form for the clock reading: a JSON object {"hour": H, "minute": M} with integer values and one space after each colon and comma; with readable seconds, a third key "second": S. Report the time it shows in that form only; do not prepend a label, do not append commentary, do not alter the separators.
{"hour": 2, "minute": 29}
